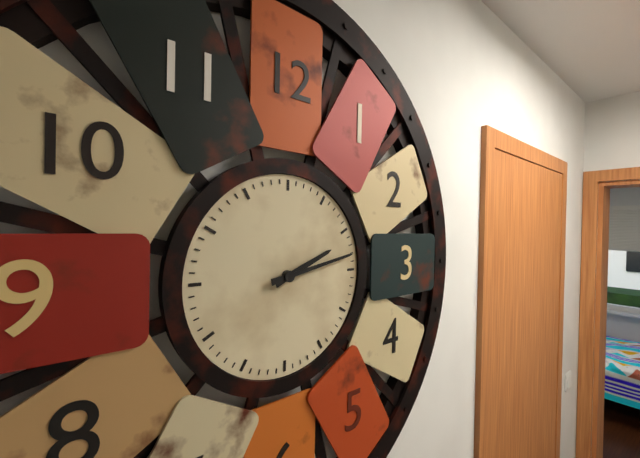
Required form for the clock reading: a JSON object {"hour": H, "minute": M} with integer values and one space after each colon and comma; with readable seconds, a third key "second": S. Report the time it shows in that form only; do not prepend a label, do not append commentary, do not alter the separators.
{"hour": 2, "minute": 13}
